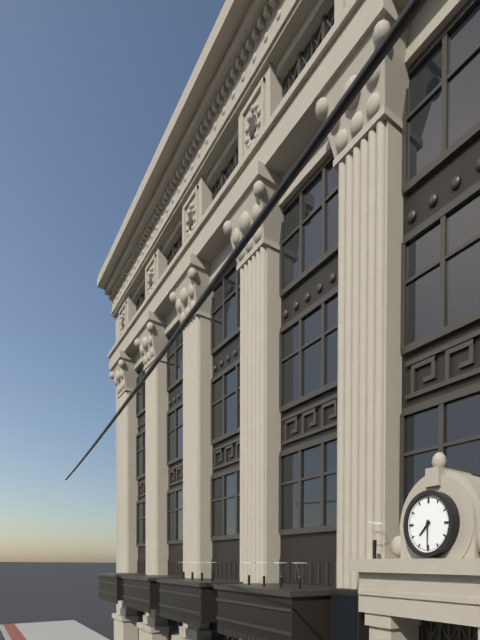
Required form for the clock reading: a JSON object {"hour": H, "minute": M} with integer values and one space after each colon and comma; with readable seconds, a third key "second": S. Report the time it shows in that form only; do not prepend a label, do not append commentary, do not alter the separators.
{"hour": 7, "minute": 30}
